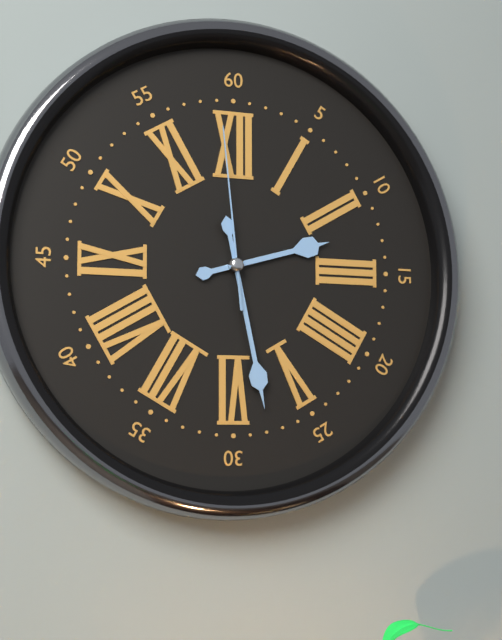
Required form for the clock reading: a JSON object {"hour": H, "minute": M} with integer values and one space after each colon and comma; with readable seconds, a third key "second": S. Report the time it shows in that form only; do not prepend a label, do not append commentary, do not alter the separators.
{"hour": 2, "minute": 28, "second": 59}
